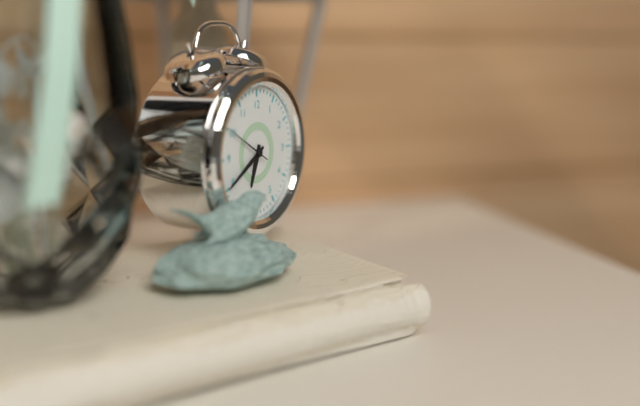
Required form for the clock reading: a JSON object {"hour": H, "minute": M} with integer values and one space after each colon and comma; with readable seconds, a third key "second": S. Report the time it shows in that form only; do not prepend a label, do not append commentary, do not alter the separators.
{"hour": 6, "minute": 40}
